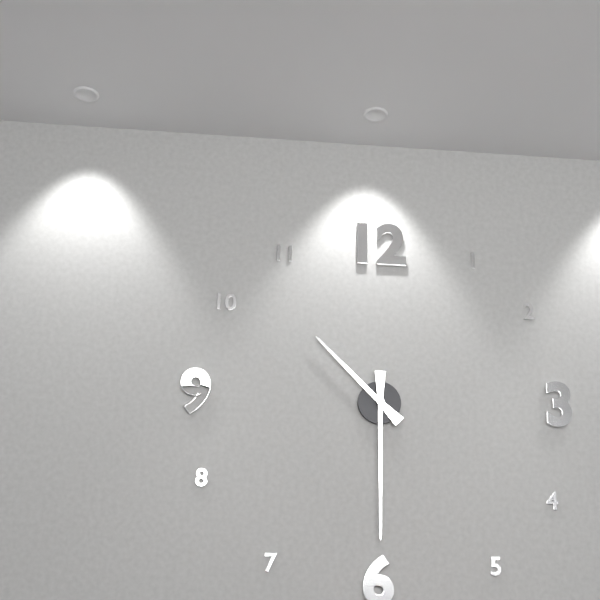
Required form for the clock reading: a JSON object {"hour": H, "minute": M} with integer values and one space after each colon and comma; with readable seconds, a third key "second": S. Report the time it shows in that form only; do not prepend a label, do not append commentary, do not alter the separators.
{"hour": 10, "minute": 30}
